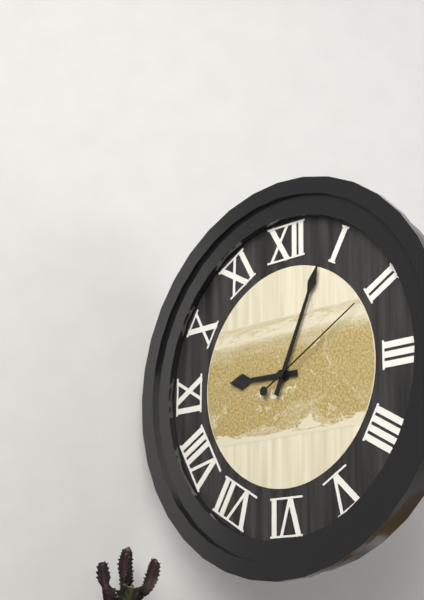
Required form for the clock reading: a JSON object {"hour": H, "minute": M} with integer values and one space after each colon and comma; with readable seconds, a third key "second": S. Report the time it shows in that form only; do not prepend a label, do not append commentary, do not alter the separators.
{"hour": 9, "minute": 4, "second": 10}
